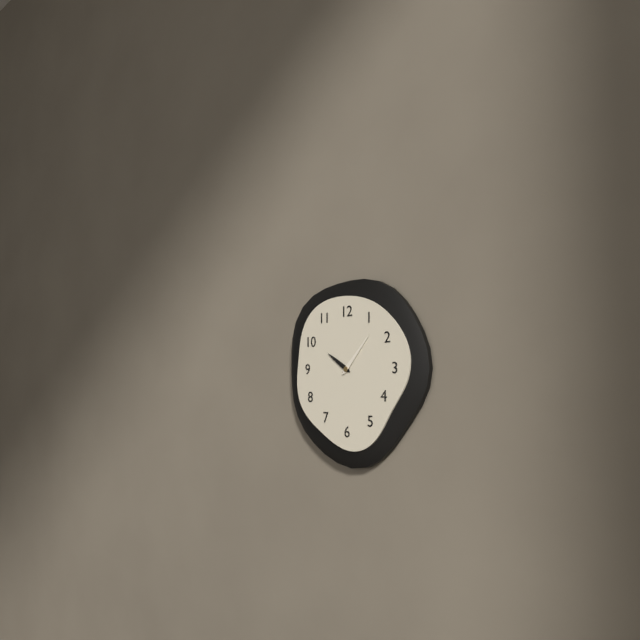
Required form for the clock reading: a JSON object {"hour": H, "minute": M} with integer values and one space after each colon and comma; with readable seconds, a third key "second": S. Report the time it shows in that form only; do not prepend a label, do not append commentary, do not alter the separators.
{"hour": 10, "minute": 7}
